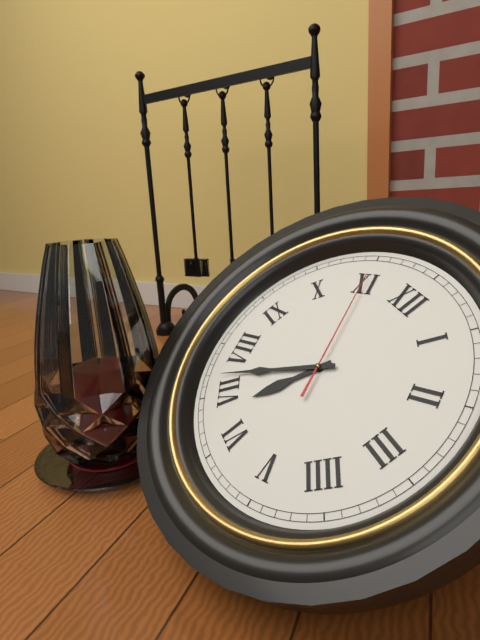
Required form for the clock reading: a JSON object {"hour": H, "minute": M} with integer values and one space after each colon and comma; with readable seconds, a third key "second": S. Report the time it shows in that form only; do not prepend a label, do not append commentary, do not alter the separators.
{"hour": 6, "minute": 37, "second": 55}
